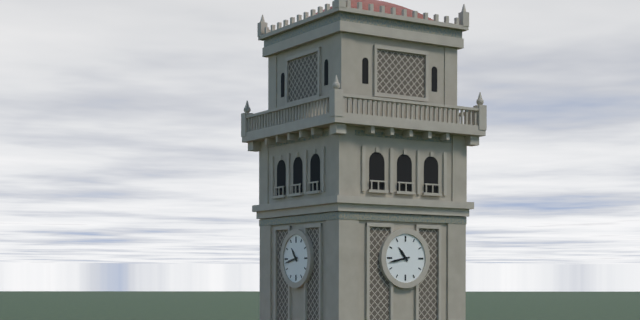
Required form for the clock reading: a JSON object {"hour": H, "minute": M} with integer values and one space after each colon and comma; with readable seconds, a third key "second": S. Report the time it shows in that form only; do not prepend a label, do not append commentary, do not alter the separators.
{"hour": 10, "minute": 43}
